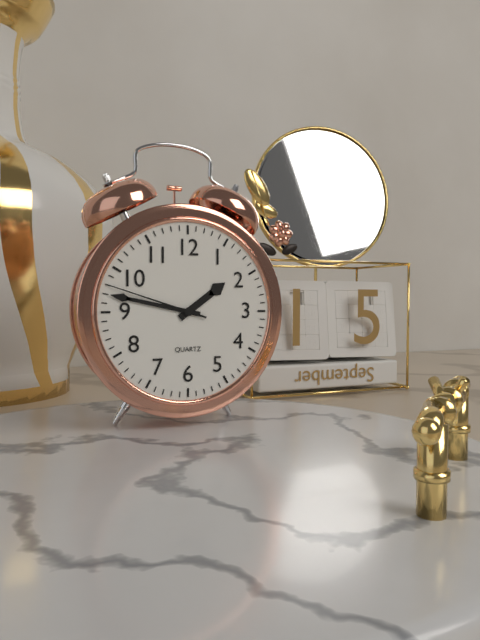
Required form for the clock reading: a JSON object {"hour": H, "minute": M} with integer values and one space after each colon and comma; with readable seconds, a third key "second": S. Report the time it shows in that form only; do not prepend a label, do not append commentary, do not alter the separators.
{"hour": 1, "minute": 47, "second": 48}
